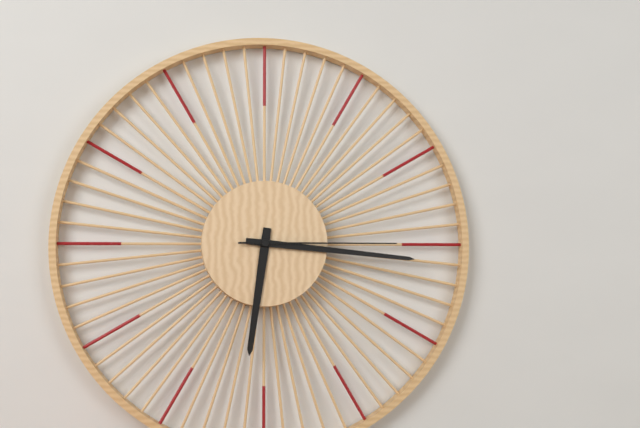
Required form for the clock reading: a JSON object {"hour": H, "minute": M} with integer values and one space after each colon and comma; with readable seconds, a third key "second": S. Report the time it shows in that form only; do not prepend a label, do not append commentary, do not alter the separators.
{"hour": 6, "minute": 16, "second": 15}
